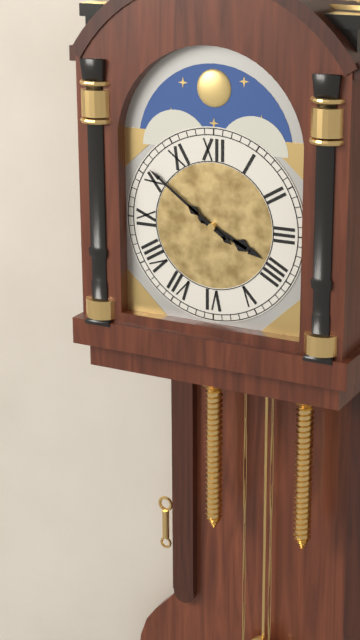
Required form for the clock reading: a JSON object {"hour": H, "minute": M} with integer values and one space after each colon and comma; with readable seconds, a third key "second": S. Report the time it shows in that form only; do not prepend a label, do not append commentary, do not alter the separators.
{"hour": 3, "minute": 51}
